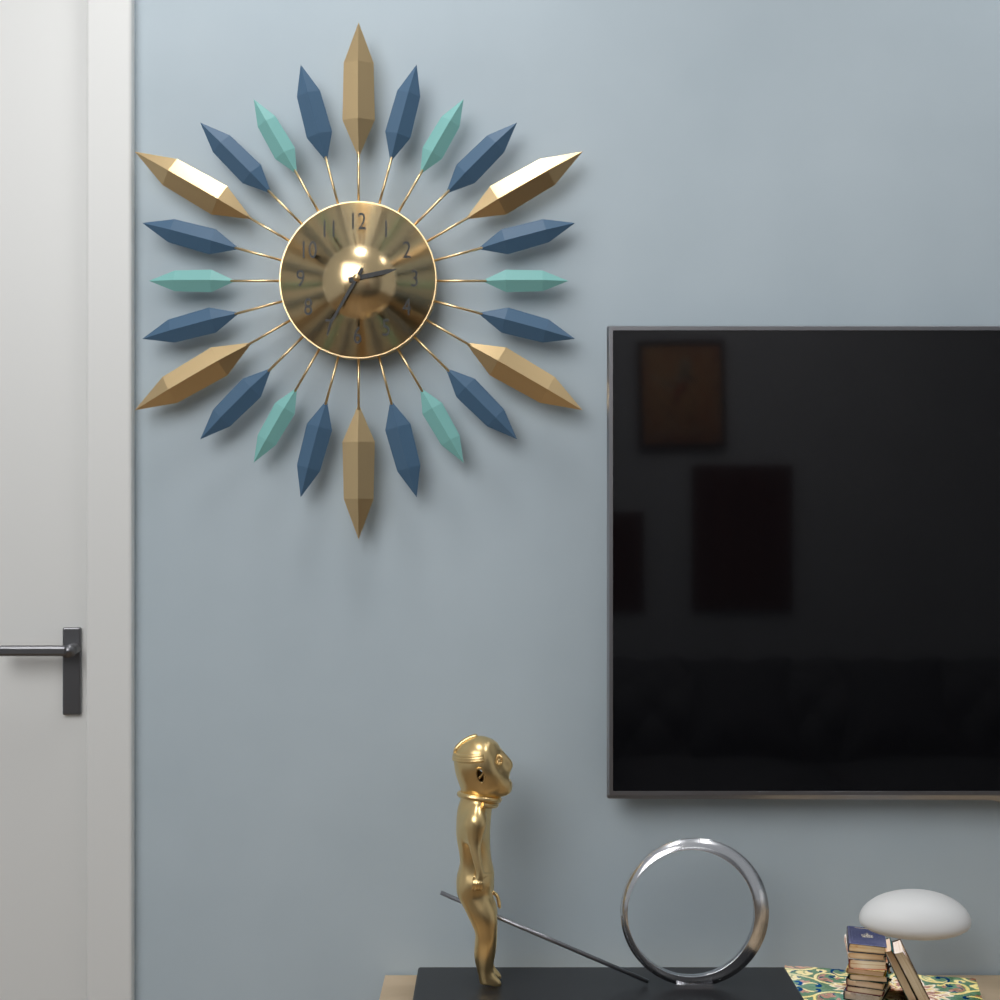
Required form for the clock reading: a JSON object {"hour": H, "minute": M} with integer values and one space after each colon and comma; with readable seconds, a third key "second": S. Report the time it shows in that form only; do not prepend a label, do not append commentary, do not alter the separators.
{"hour": 2, "minute": 35}
